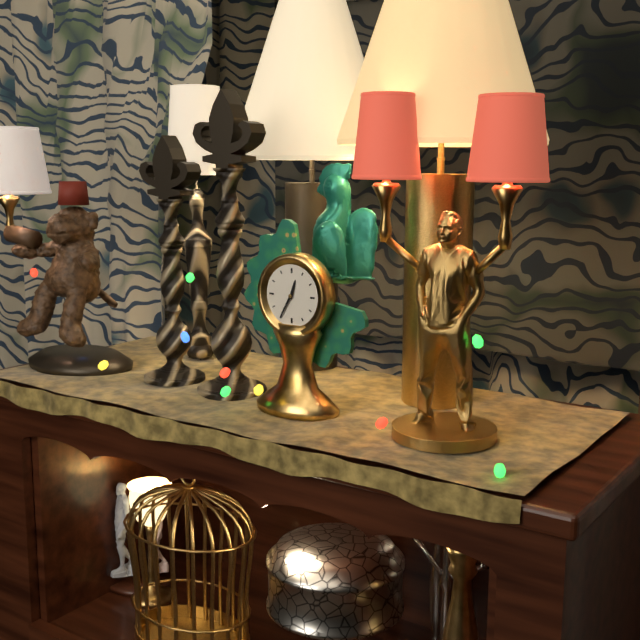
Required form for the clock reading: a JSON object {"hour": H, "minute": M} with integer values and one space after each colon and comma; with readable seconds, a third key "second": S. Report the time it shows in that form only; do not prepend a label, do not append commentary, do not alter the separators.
{"hour": 12, "minute": 35}
